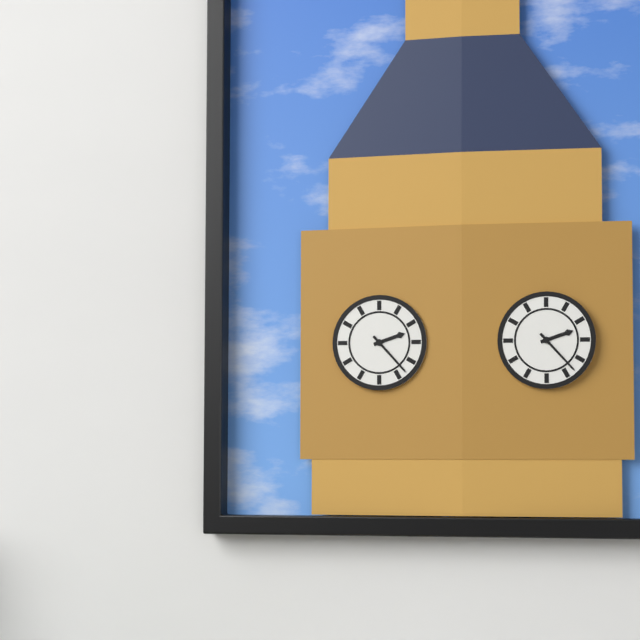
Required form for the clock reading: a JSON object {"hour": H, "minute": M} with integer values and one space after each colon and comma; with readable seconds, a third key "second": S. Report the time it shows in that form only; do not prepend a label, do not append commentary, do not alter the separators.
{"hour": 2, "minute": 23}
